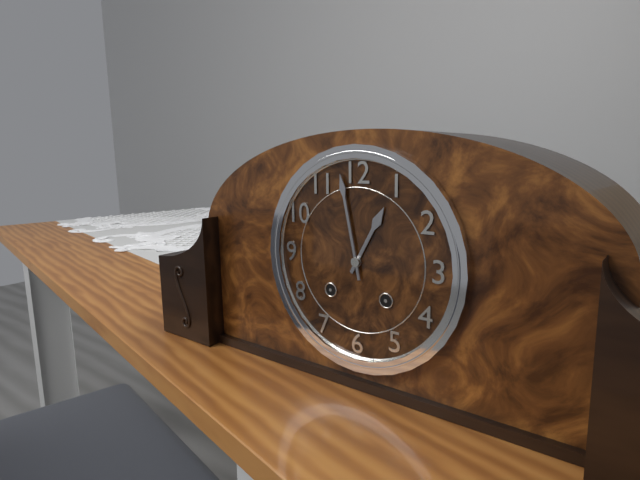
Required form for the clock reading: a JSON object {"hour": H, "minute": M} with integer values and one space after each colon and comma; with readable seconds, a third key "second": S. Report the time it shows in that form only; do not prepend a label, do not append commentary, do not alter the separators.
{"hour": 12, "minute": 58}
